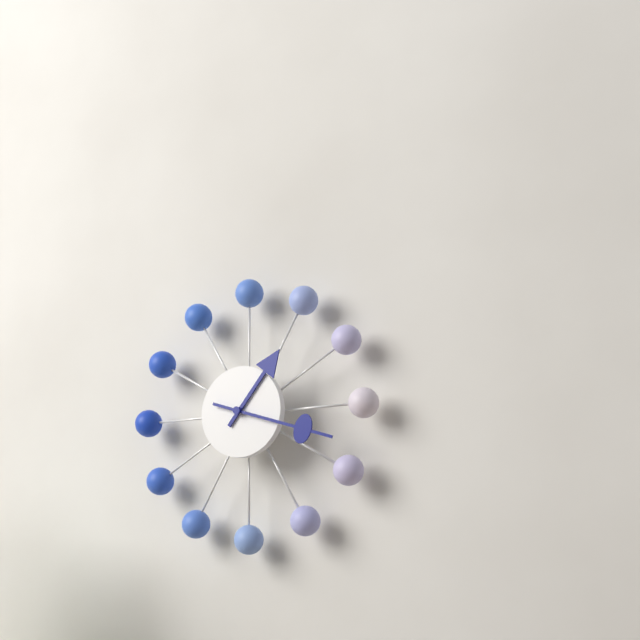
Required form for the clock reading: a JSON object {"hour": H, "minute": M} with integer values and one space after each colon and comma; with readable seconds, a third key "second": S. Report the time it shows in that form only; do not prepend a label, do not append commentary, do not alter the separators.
{"hour": 1, "minute": 18}
